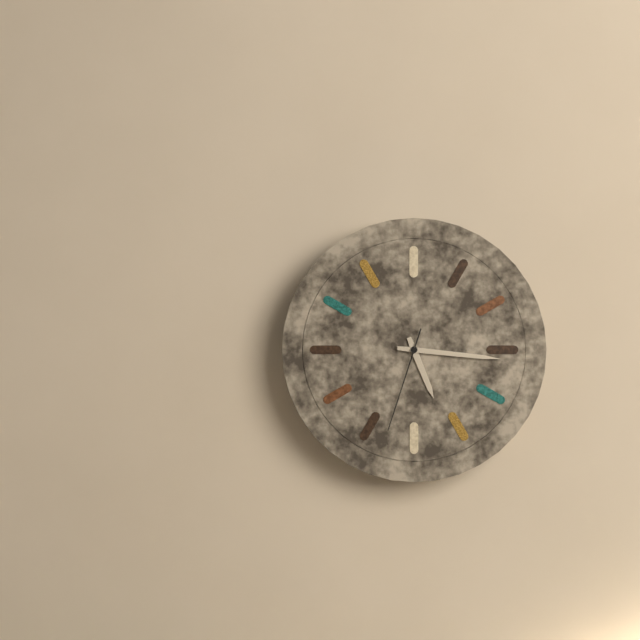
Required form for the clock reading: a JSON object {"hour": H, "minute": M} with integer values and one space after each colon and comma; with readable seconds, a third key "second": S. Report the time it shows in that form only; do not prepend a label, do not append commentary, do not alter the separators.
{"hour": 5, "minute": 16, "second": 33}
